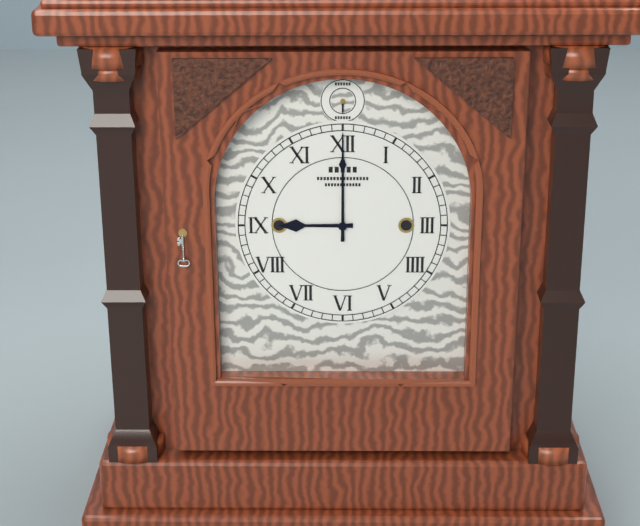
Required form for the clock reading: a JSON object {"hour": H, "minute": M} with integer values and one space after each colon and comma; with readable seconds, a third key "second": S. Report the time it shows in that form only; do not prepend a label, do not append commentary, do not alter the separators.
{"hour": 9, "minute": 0}
